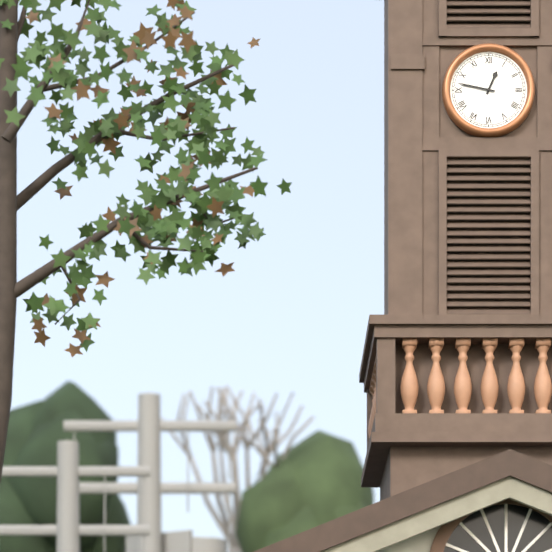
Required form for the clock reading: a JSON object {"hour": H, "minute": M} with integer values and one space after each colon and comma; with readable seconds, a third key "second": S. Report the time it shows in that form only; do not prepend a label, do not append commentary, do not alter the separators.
{"hour": 12, "minute": 47}
